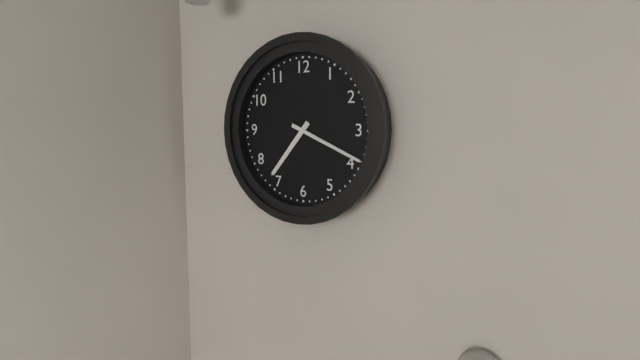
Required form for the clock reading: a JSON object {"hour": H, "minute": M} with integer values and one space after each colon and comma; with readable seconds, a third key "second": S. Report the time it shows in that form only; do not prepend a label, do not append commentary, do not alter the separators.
{"hour": 7, "minute": 19}
